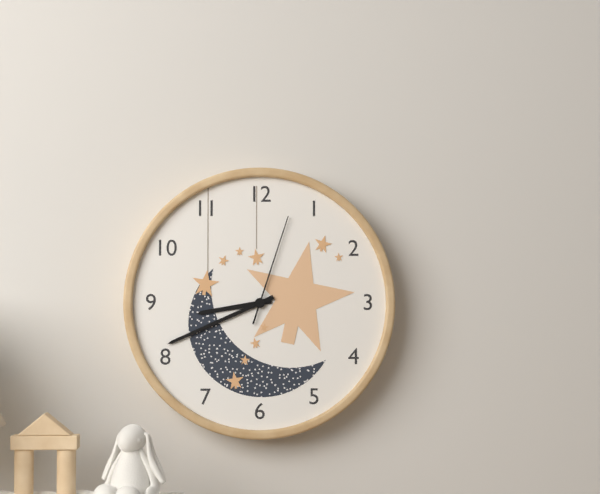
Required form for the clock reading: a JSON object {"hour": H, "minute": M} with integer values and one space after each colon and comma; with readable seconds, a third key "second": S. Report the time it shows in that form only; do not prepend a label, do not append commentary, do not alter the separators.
{"hour": 8, "minute": 41, "second": 3}
